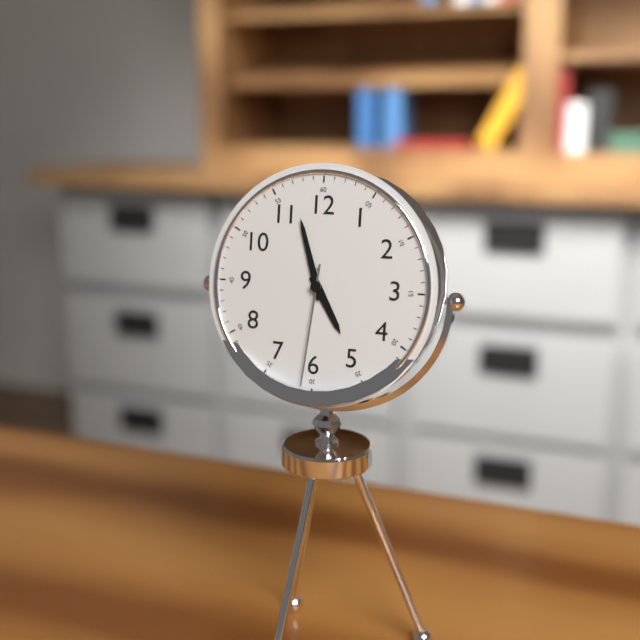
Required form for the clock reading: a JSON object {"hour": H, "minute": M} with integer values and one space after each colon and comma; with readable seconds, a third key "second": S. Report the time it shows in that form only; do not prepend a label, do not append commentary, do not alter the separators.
{"hour": 4, "minute": 57, "second": 31}
